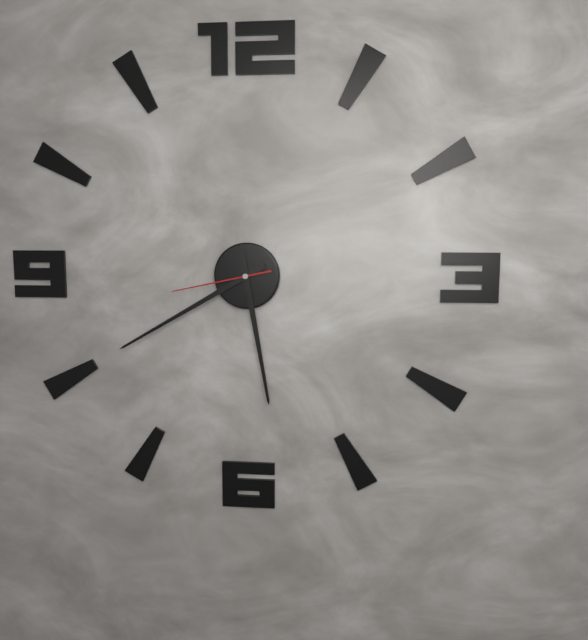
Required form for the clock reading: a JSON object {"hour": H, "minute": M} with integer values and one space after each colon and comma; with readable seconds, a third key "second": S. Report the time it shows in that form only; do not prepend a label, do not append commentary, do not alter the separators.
{"hour": 5, "minute": 40, "second": 43}
